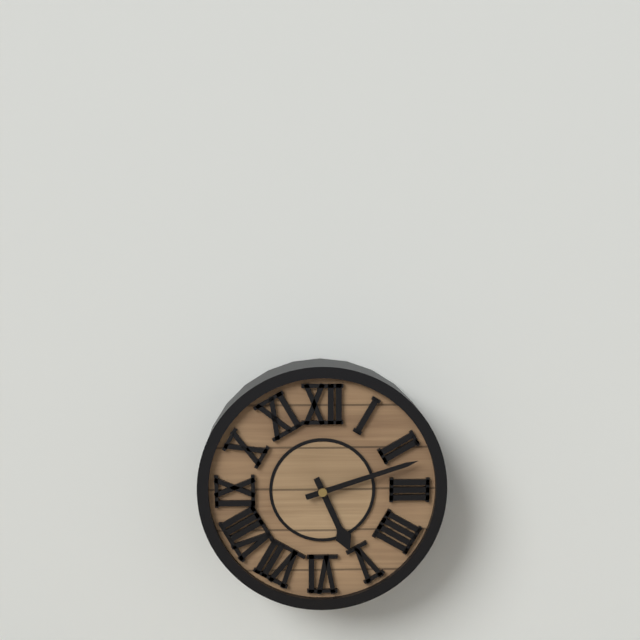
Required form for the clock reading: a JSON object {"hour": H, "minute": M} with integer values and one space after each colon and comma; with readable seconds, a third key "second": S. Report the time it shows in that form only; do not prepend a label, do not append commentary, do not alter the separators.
{"hour": 5, "minute": 12}
